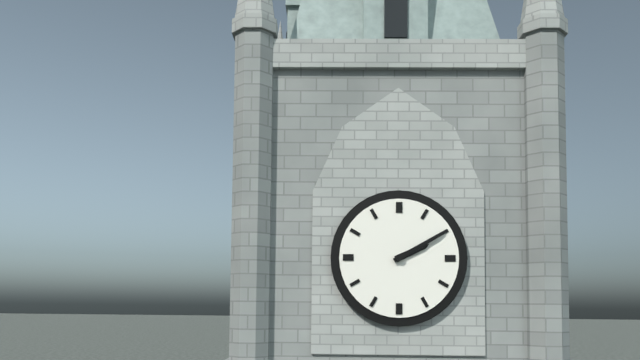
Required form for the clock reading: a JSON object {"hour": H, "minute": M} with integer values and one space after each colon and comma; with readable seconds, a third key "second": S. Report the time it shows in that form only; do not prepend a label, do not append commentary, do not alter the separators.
{"hour": 2, "minute": 10}
